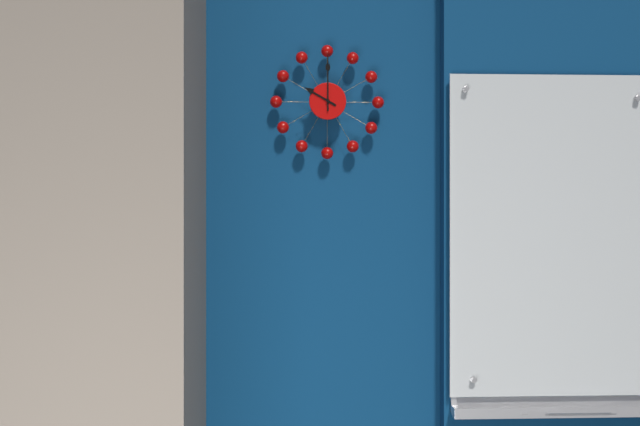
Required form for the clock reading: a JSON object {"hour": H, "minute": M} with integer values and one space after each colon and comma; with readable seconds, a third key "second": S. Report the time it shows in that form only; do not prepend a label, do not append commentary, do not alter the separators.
{"hour": 10, "minute": 0}
